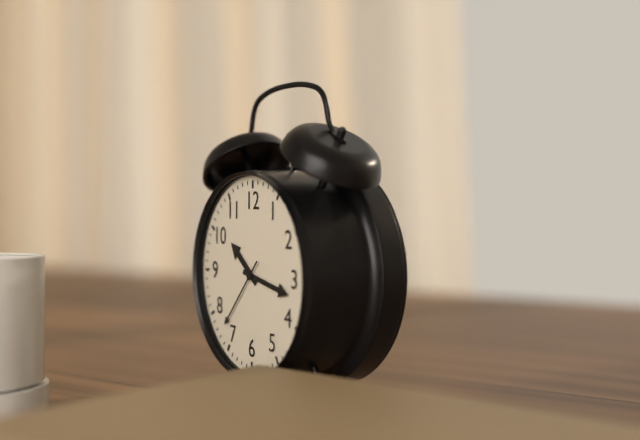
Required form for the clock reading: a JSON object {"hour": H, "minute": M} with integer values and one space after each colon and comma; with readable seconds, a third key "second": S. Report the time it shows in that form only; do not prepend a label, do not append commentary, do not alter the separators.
{"hour": 10, "minute": 17, "second": 37}
